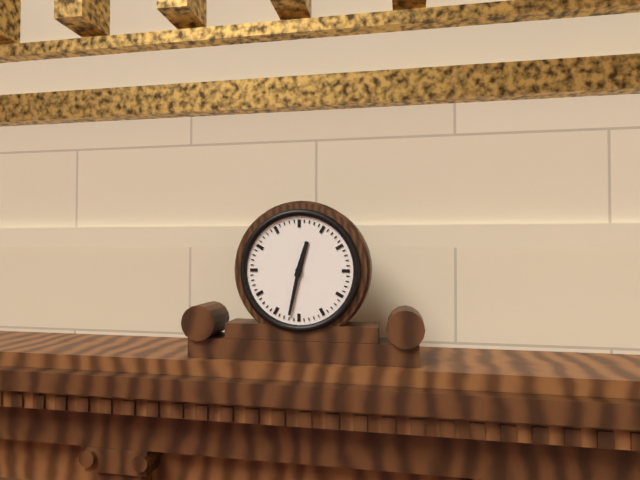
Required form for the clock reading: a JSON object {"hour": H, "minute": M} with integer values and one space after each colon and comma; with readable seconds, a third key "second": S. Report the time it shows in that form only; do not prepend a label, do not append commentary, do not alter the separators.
{"hour": 12, "minute": 32}
